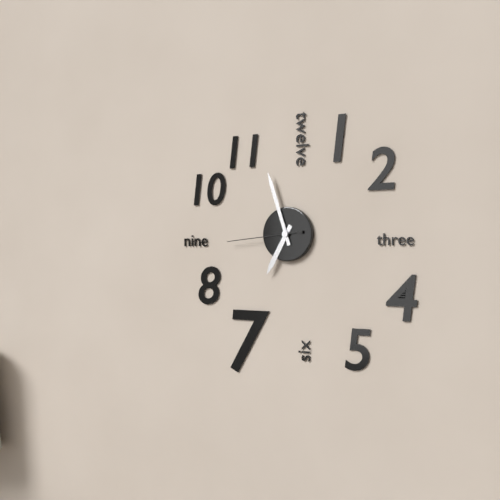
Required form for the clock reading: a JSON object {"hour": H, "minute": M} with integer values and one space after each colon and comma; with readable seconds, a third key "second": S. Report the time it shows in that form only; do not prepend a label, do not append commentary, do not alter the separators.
{"hour": 6, "minute": 57, "second": 44}
